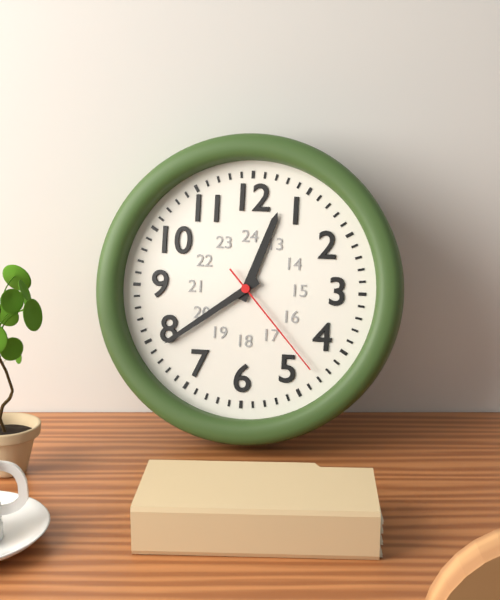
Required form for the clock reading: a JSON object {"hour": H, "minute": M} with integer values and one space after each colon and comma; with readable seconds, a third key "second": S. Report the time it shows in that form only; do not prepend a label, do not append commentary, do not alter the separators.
{"hour": 12, "minute": 39, "second": 23}
